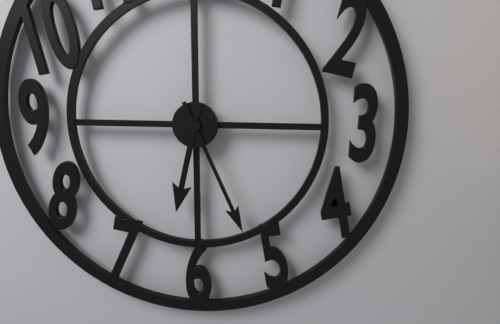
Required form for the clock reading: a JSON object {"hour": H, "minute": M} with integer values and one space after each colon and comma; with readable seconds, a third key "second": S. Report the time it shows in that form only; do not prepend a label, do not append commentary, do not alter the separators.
{"hour": 6, "minute": 26}
